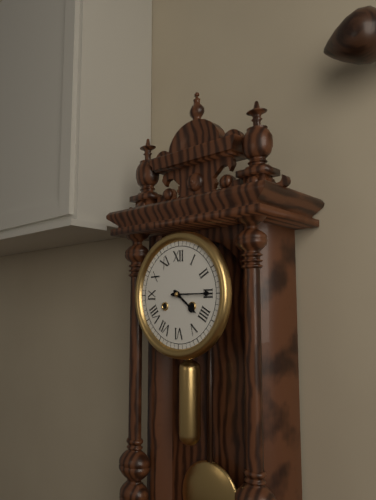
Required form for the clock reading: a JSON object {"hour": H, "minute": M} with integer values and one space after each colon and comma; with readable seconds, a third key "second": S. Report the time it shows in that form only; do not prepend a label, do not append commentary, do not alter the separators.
{"hour": 4, "minute": 15}
